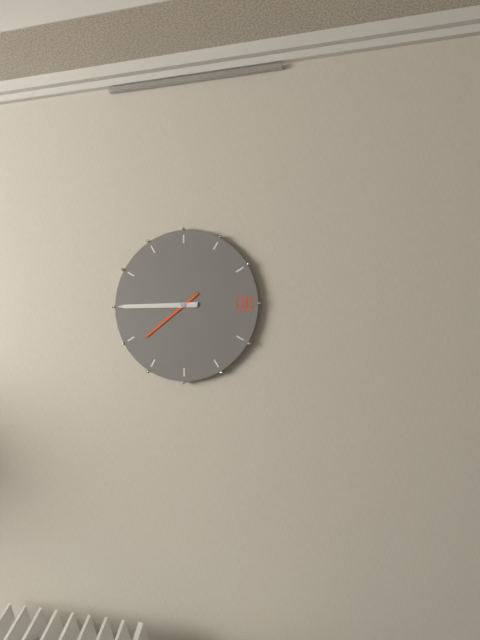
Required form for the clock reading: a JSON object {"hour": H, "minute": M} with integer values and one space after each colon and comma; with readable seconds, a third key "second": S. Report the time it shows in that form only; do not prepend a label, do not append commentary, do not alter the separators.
{"hour": 7, "minute": 45}
